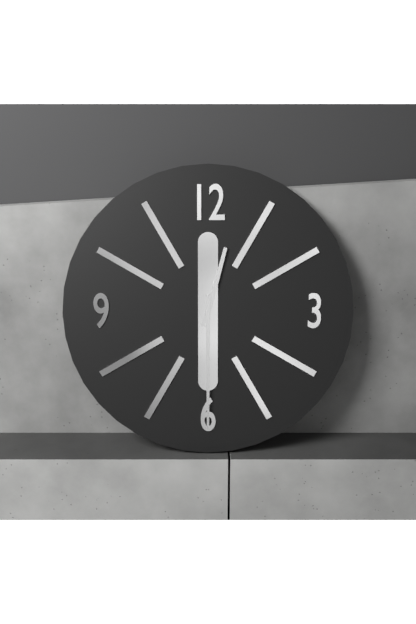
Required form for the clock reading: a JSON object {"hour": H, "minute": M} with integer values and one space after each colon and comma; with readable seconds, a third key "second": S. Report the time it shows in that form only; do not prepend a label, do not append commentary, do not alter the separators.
{"hour": 12, "minute": 30}
